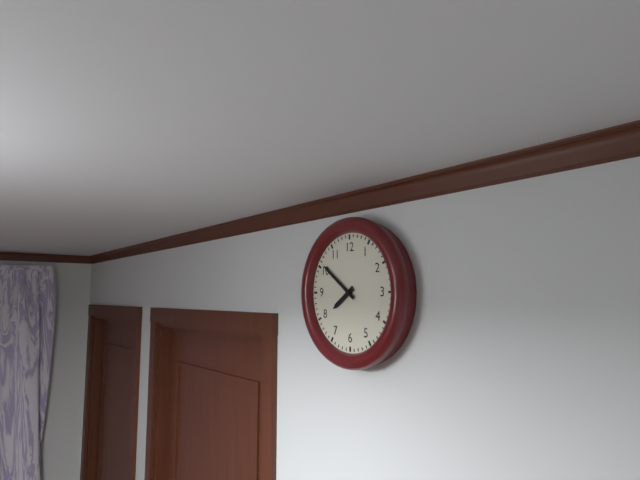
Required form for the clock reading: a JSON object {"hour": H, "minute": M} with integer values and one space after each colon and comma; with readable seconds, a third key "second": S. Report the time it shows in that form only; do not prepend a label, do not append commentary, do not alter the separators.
{"hour": 7, "minute": 51}
